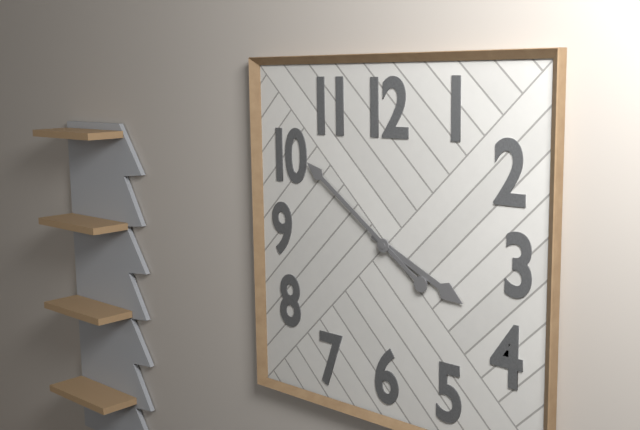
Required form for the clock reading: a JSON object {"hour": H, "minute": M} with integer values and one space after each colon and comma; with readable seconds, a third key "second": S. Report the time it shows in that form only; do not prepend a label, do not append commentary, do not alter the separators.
{"hour": 3, "minute": 51}
